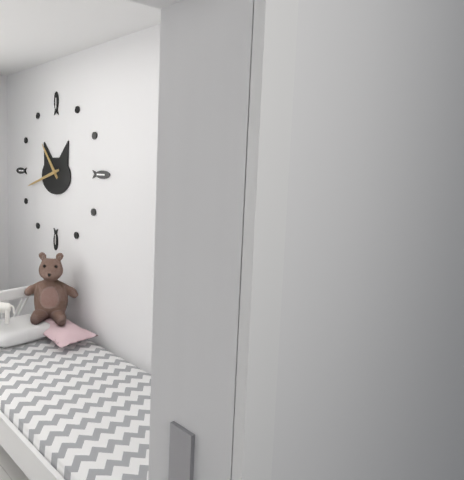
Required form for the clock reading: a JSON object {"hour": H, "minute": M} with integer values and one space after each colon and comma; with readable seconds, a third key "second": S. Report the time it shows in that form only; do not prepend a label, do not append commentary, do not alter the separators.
{"hour": 10, "minute": 42}
